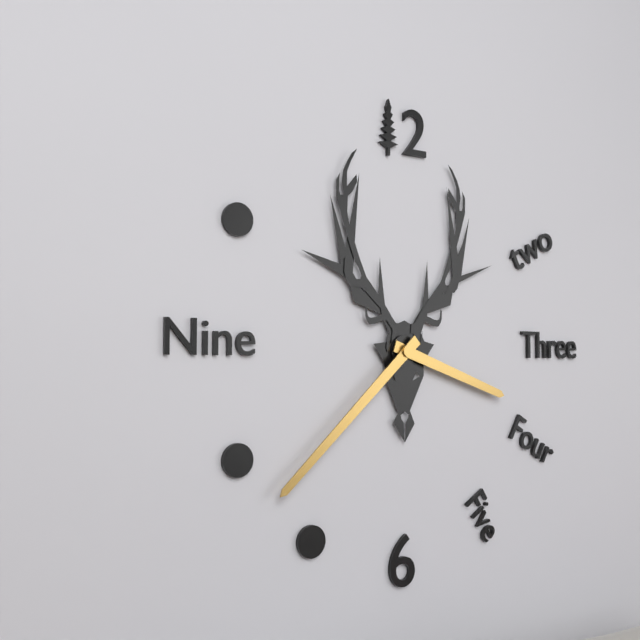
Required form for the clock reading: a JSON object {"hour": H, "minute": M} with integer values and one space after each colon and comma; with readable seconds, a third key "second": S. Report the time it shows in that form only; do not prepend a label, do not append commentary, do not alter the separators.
{"hour": 3, "minute": 38}
